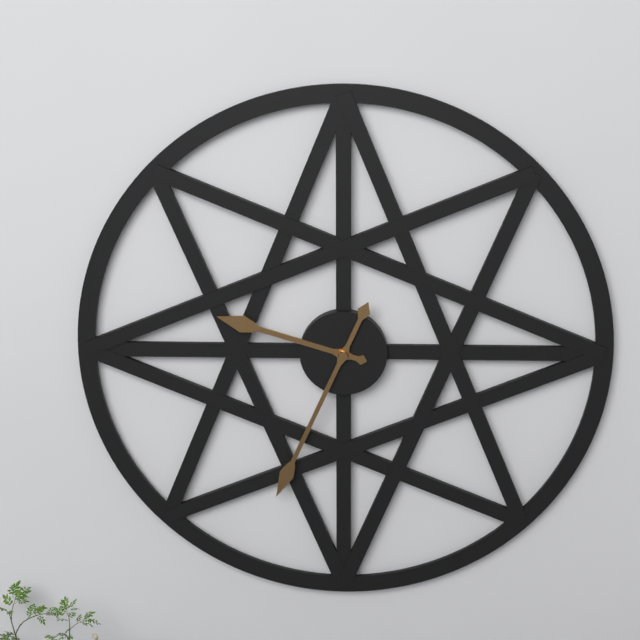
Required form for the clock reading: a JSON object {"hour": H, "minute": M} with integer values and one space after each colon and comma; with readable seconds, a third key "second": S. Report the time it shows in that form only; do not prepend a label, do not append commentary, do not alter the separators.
{"hour": 9, "minute": 34}
